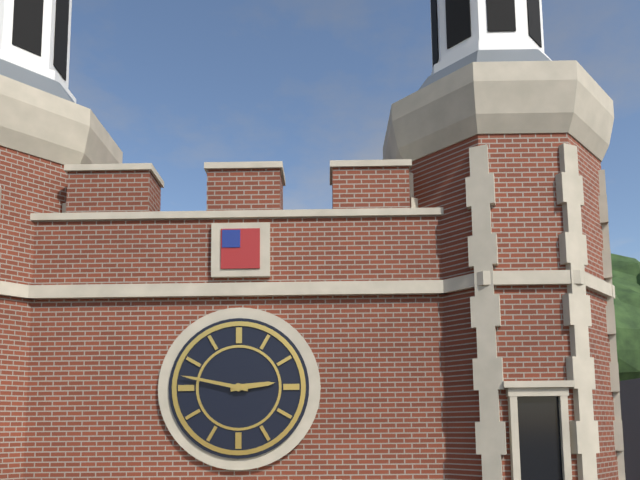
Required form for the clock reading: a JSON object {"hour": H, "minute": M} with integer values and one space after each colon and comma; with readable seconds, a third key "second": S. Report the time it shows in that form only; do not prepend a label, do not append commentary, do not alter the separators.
{"hour": 2, "minute": 47}
